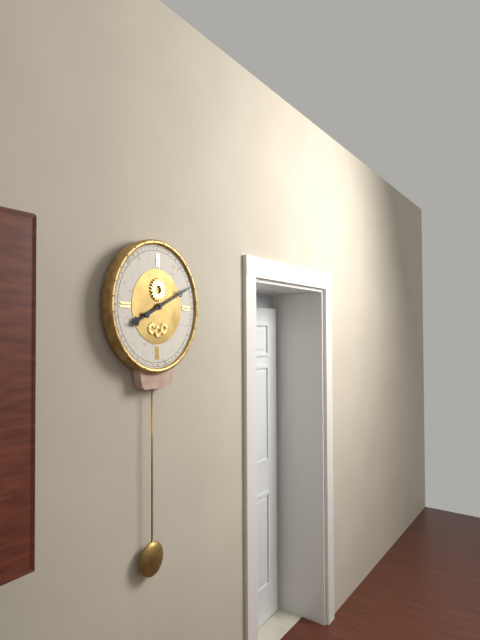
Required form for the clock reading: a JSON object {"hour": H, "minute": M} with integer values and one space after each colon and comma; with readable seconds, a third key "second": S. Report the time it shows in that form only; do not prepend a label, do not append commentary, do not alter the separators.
{"hour": 8, "minute": 11}
